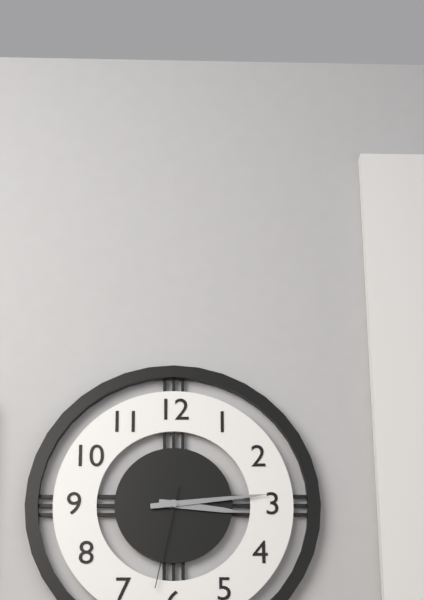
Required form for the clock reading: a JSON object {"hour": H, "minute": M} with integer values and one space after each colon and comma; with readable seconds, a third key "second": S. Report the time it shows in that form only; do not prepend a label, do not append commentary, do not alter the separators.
{"hour": 3, "minute": 14, "second": 32}
